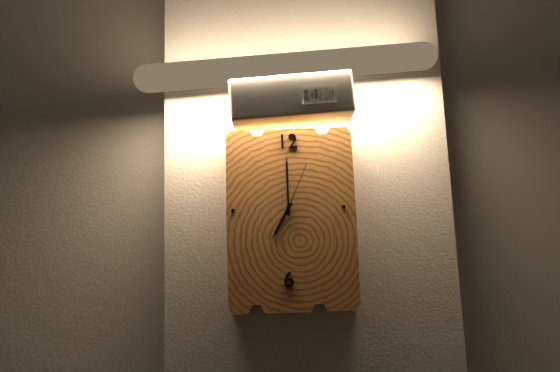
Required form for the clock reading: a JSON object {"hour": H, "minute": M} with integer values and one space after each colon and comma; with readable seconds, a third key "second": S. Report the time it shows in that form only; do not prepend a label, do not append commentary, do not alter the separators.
{"hour": 7, "minute": 0, "second": 4}
